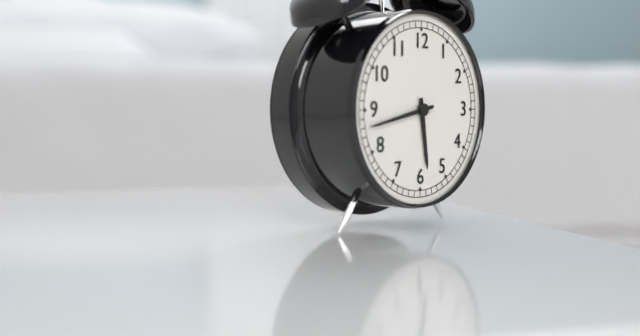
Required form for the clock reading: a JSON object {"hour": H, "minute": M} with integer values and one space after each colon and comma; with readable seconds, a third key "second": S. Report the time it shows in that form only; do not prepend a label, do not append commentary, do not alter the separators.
{"hour": 5, "minute": 43}
